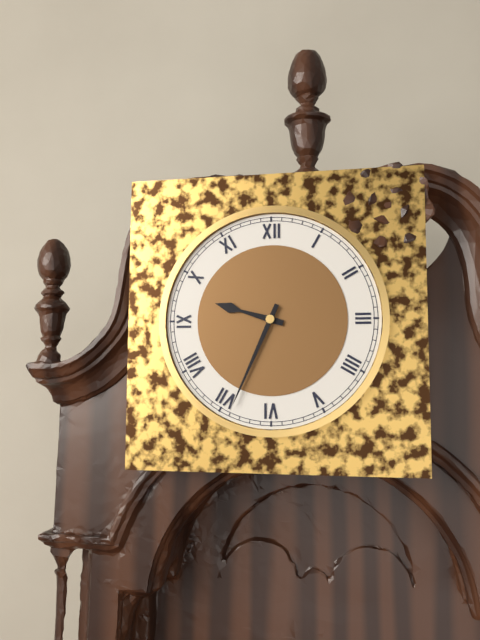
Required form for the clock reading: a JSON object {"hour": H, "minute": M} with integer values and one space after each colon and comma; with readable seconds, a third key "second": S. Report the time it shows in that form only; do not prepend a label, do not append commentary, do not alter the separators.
{"hour": 9, "minute": 34}
